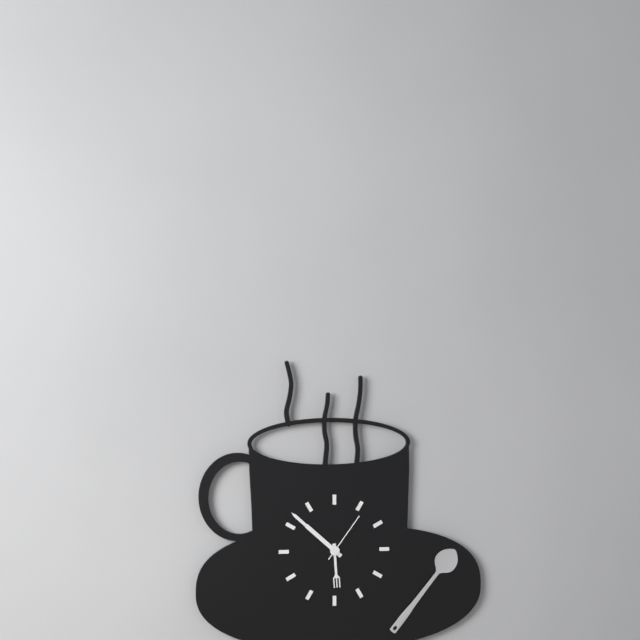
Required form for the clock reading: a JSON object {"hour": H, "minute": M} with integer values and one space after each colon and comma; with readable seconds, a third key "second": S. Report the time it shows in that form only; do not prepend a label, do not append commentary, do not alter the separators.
{"hour": 5, "minute": 52, "second": 6}
